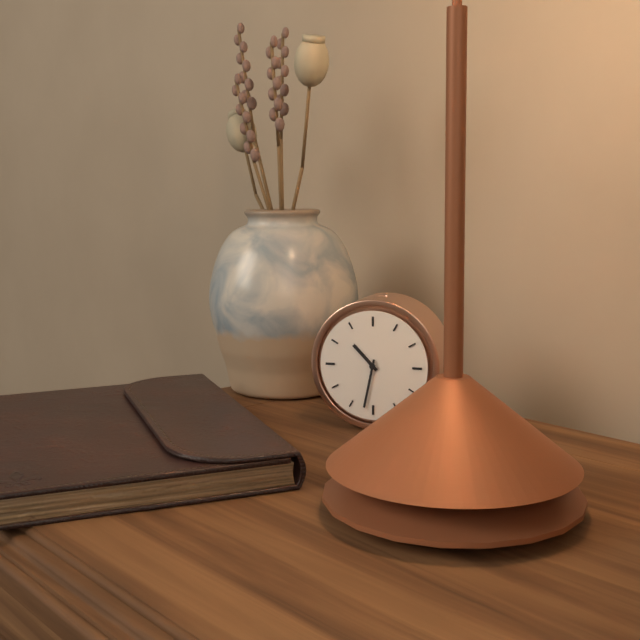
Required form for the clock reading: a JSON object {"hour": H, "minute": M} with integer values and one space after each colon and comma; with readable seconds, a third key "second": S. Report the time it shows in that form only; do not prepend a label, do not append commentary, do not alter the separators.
{"hour": 10, "minute": 32}
